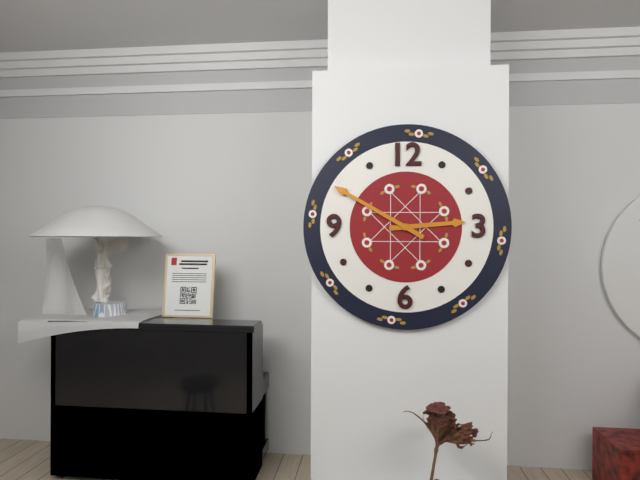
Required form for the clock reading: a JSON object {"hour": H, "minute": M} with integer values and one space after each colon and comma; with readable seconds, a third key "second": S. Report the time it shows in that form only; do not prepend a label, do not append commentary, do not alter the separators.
{"hour": 2, "minute": 50}
